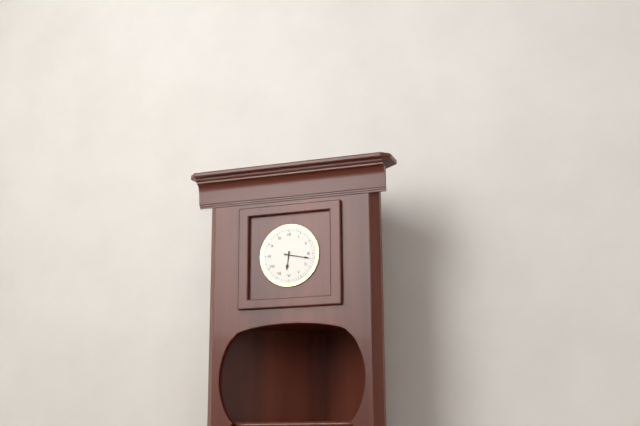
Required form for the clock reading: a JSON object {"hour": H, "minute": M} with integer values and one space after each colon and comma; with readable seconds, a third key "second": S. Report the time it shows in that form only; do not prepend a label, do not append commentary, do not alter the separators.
{"hour": 6, "minute": 17}
